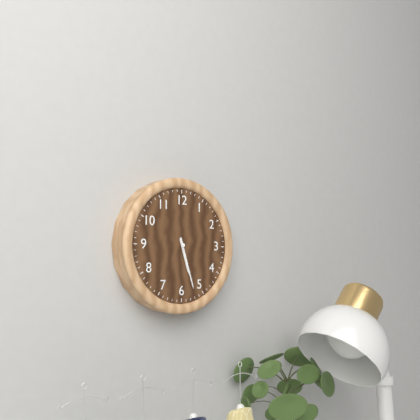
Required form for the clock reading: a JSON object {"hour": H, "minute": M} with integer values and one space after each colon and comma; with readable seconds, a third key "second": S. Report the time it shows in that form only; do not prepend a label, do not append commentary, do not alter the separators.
{"hour": 5, "minute": 27}
